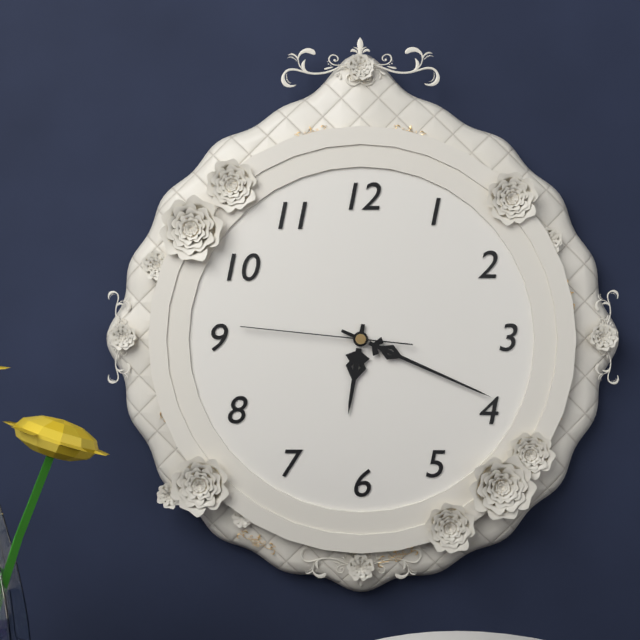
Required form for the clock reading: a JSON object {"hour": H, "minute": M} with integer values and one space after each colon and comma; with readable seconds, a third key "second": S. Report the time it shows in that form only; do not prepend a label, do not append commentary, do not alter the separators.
{"hour": 6, "minute": 19, "second": 46}
